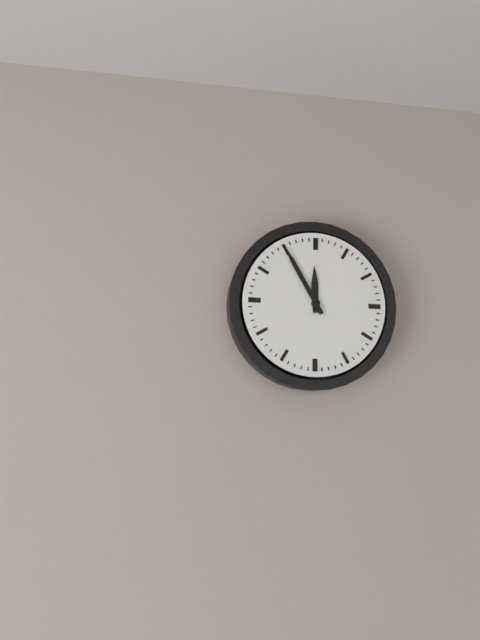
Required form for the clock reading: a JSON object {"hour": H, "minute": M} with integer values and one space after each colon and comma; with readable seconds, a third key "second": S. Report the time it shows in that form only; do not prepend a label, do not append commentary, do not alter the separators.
{"hour": 11, "minute": 55}
